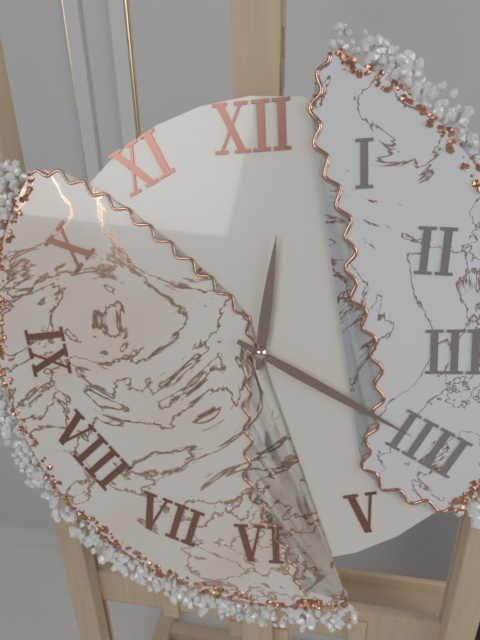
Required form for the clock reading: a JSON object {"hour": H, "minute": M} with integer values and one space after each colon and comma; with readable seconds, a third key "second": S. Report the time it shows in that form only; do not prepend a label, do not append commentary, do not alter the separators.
{"hour": 12, "minute": 20}
